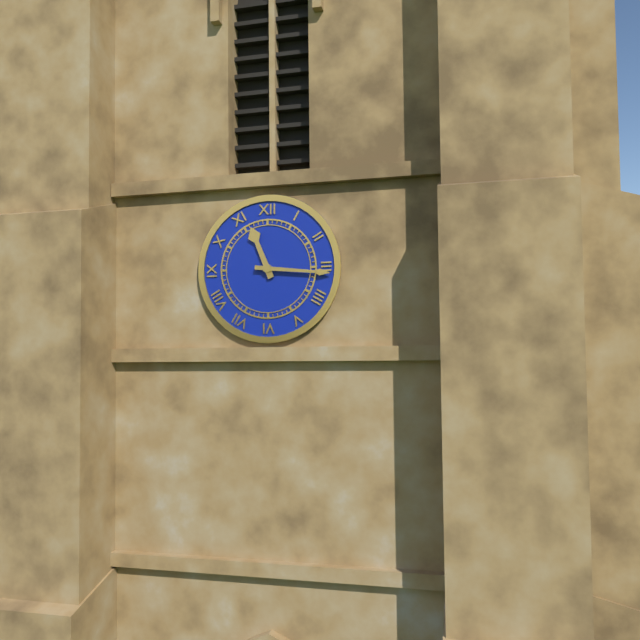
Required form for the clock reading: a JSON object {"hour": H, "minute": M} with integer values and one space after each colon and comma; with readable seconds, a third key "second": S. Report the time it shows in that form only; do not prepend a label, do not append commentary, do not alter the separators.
{"hour": 11, "minute": 16}
